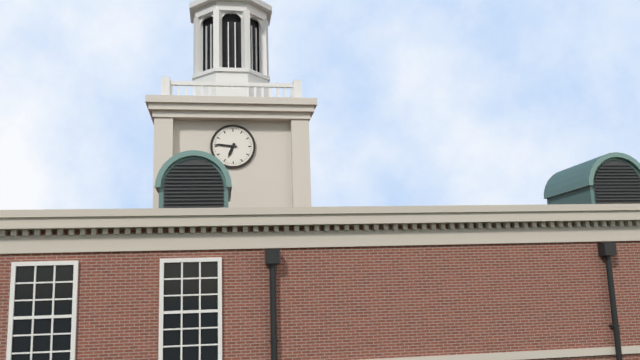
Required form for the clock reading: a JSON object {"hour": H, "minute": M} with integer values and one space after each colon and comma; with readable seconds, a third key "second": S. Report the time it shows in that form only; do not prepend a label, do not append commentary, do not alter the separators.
{"hour": 6, "minute": 46}
